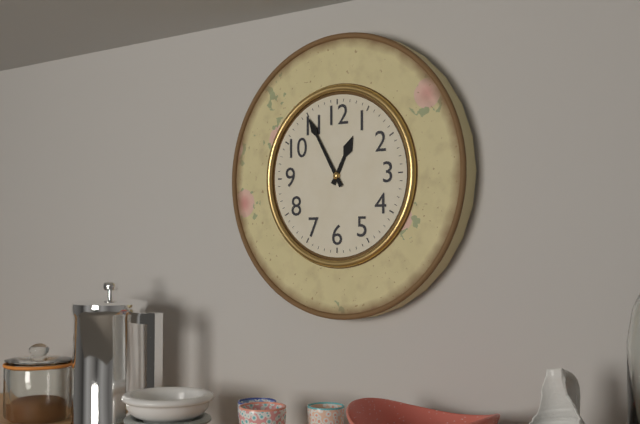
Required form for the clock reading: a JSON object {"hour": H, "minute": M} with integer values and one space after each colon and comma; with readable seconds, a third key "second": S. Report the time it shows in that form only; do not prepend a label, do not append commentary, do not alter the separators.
{"hour": 12, "minute": 55}
